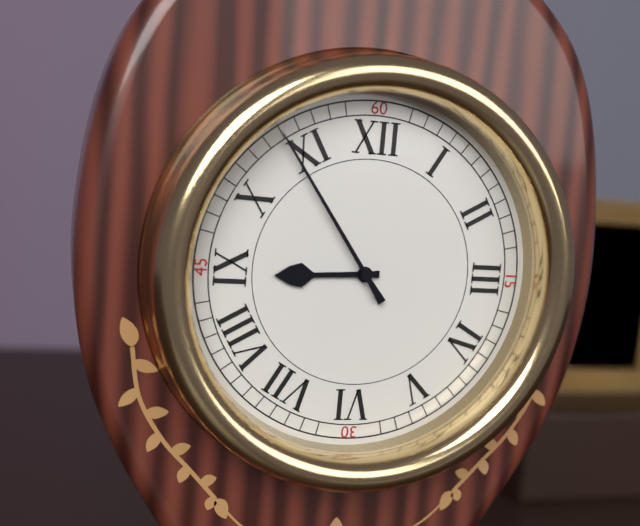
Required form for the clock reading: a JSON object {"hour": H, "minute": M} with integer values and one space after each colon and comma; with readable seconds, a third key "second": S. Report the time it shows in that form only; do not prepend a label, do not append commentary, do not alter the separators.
{"hour": 8, "minute": 54}
